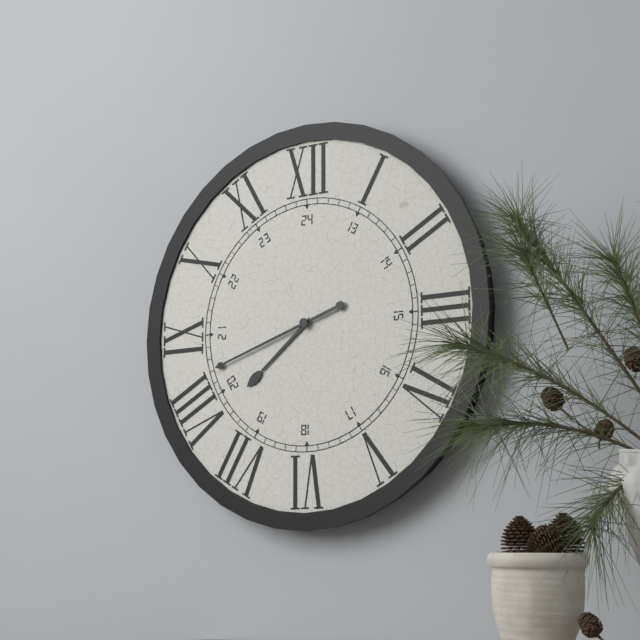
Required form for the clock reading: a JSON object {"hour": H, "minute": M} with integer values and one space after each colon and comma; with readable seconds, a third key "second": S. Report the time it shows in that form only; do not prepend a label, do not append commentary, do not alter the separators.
{"hour": 7, "minute": 42}
